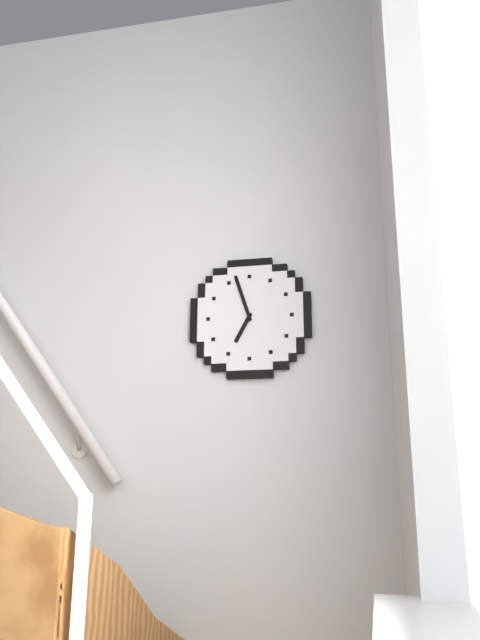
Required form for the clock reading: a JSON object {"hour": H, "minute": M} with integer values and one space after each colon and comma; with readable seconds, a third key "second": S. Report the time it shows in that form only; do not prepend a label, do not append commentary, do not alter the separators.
{"hour": 6, "minute": 57}
